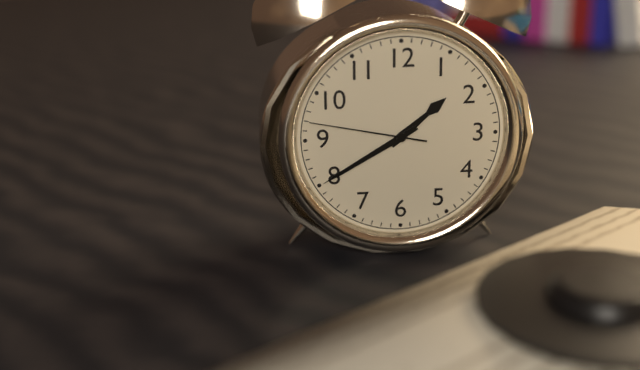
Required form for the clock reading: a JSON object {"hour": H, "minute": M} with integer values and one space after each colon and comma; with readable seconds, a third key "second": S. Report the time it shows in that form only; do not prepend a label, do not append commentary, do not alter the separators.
{"hour": 1, "minute": 40, "second": 47}
